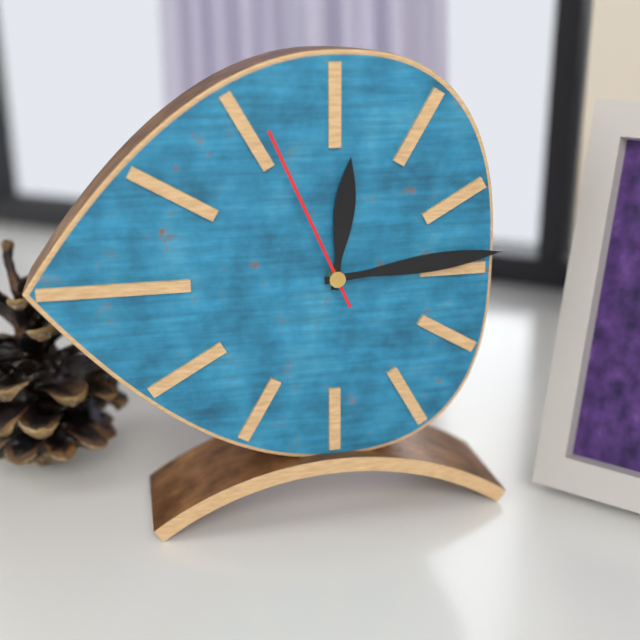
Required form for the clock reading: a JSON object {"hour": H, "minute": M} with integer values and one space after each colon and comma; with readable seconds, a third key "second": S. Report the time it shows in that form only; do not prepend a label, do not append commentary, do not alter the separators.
{"hour": 12, "minute": 14, "second": 56}
